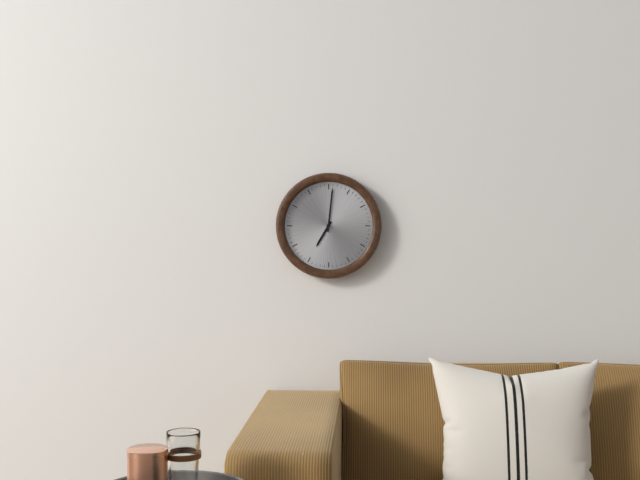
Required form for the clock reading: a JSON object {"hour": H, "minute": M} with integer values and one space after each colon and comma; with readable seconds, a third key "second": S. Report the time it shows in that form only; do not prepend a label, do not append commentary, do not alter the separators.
{"hour": 7, "minute": 1}
